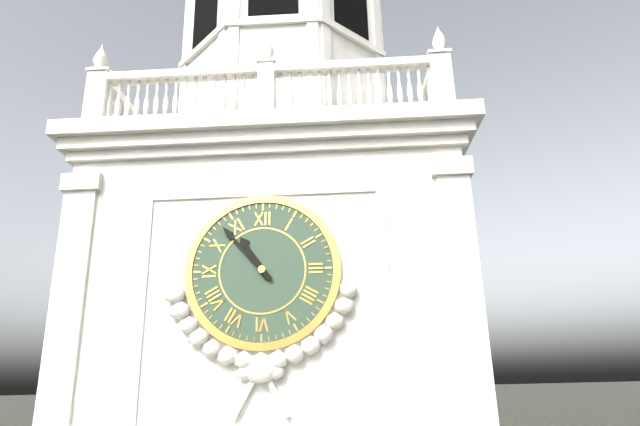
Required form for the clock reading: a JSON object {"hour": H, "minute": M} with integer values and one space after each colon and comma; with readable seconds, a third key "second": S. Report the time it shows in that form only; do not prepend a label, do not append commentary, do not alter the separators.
{"hour": 10, "minute": 53}
